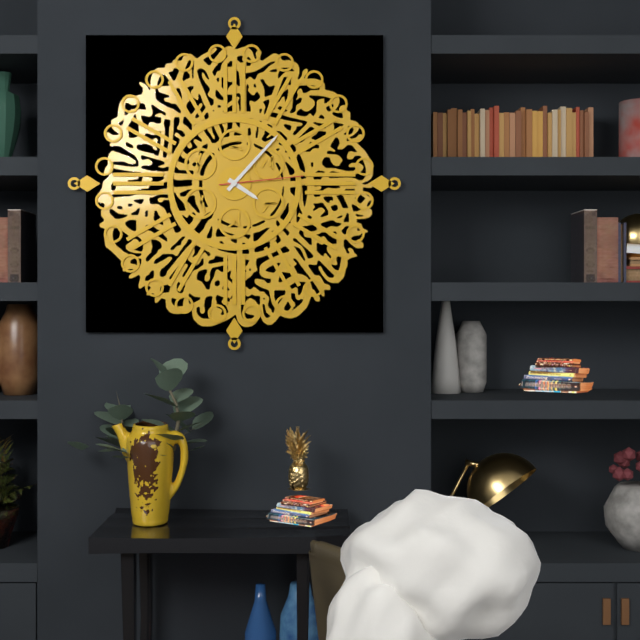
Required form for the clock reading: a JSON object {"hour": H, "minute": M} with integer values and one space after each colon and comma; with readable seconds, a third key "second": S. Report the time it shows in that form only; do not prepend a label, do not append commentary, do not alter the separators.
{"hour": 4, "minute": 7, "second": 14}
